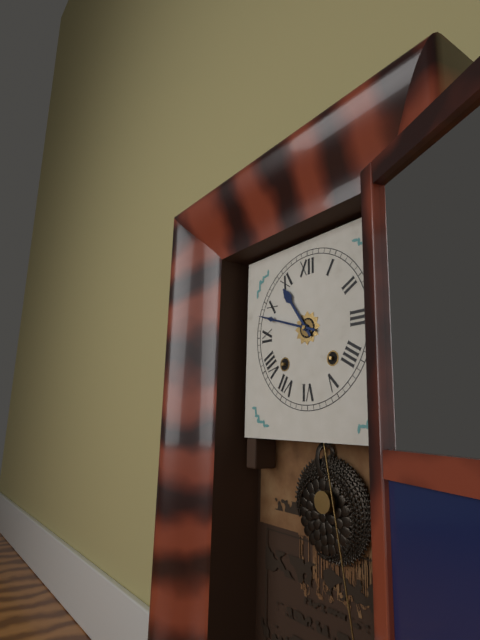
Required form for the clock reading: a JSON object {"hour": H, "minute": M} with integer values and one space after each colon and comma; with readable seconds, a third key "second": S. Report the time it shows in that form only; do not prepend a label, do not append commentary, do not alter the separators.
{"hour": 10, "minute": 48}
